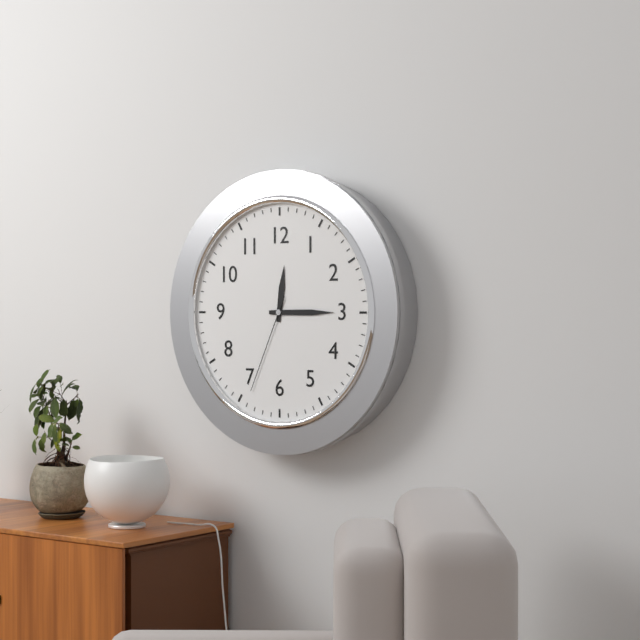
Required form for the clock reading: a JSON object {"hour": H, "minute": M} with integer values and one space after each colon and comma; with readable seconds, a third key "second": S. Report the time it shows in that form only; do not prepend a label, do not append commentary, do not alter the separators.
{"hour": 12, "minute": 15, "second": 34}
